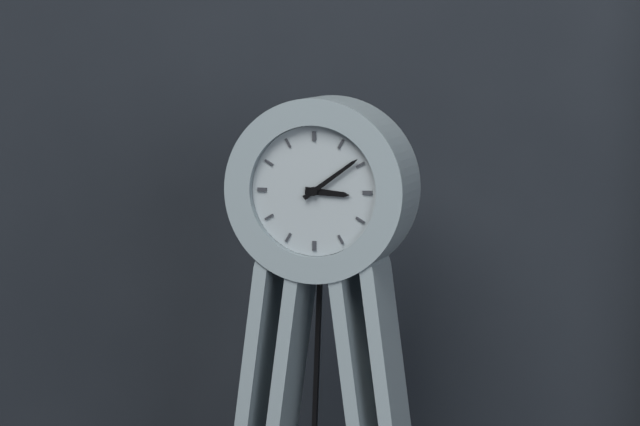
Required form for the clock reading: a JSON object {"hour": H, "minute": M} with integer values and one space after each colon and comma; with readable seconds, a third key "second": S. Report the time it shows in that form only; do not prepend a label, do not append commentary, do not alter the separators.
{"hour": 3, "minute": 9}
